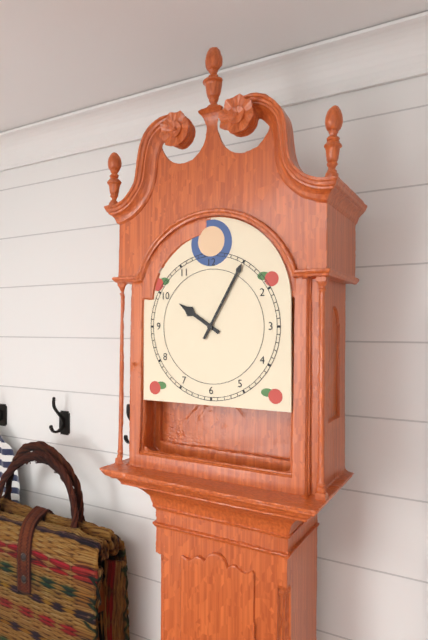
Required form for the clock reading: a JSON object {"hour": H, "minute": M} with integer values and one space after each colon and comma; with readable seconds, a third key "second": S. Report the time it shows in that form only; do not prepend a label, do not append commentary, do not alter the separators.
{"hour": 10, "minute": 5}
